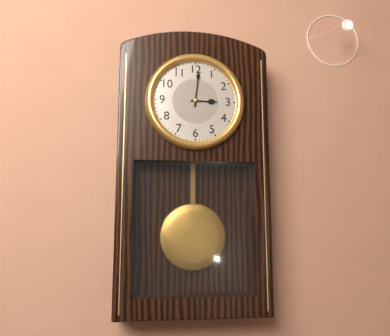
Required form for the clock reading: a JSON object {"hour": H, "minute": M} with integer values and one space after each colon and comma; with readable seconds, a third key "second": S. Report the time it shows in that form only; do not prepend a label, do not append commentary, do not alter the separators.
{"hour": 3, "minute": 1}
